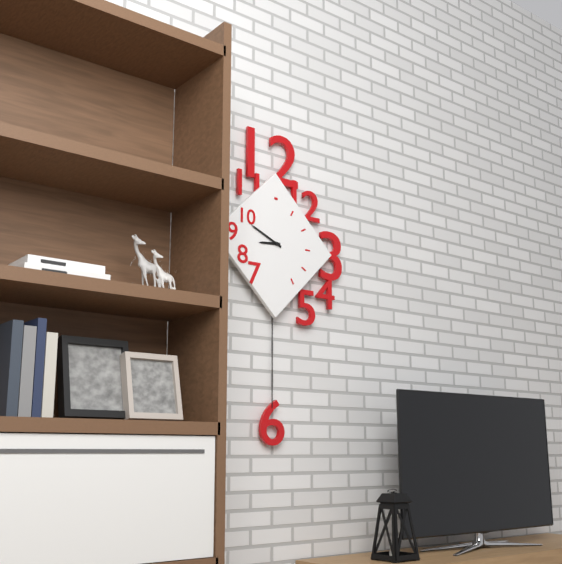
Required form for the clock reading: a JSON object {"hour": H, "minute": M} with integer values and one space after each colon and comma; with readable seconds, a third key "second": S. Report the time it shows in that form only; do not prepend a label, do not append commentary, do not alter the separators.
{"hour": 8, "minute": 49}
